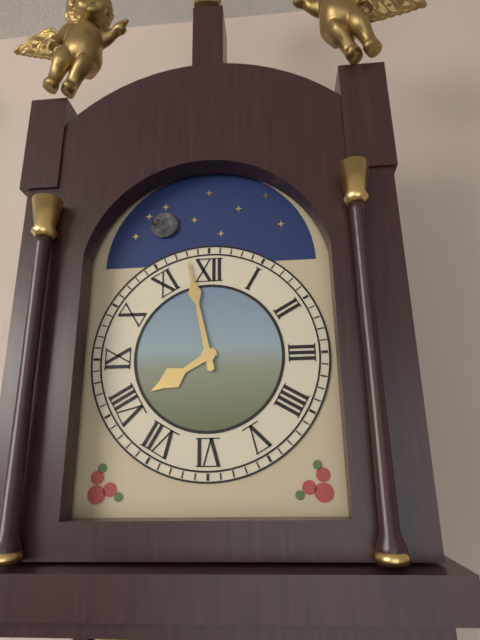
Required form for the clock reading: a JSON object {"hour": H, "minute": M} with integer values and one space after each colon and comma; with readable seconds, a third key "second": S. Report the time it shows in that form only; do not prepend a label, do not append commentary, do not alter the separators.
{"hour": 7, "minute": 58}
